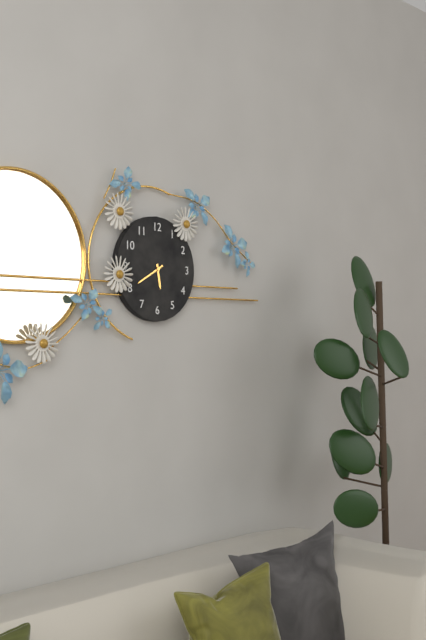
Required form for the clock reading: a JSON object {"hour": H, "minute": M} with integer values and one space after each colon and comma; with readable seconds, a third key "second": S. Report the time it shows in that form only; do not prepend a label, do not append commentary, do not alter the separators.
{"hour": 5, "minute": 40}
